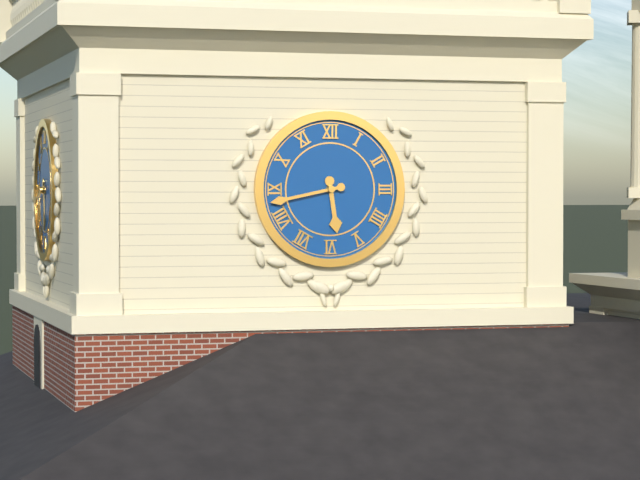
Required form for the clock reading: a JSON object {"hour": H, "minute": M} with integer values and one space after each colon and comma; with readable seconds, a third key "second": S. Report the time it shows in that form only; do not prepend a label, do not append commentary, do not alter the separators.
{"hour": 5, "minute": 43}
